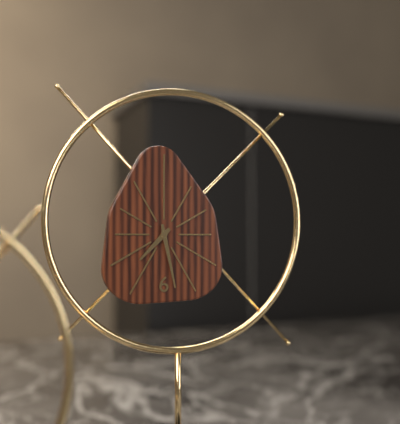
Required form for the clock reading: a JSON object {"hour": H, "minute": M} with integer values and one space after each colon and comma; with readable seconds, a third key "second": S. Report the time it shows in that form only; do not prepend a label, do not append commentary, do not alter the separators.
{"hour": 7, "minute": 28}
